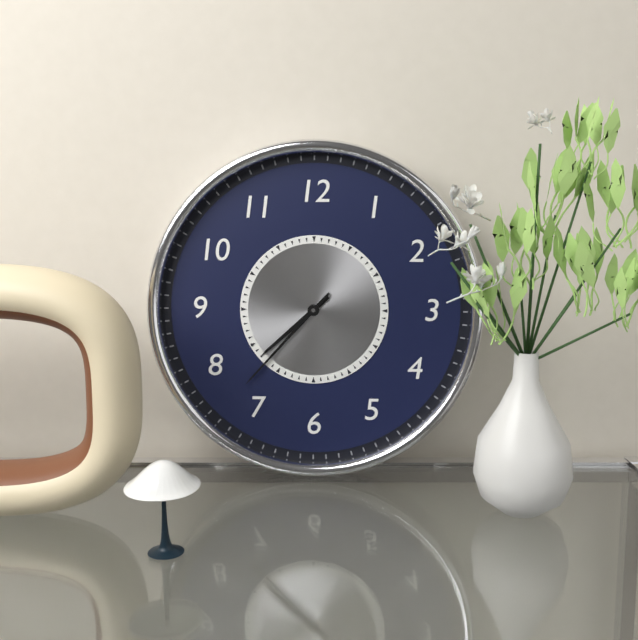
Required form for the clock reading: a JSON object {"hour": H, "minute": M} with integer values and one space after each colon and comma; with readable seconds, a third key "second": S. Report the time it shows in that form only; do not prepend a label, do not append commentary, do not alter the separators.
{"hour": 7, "minute": 37}
